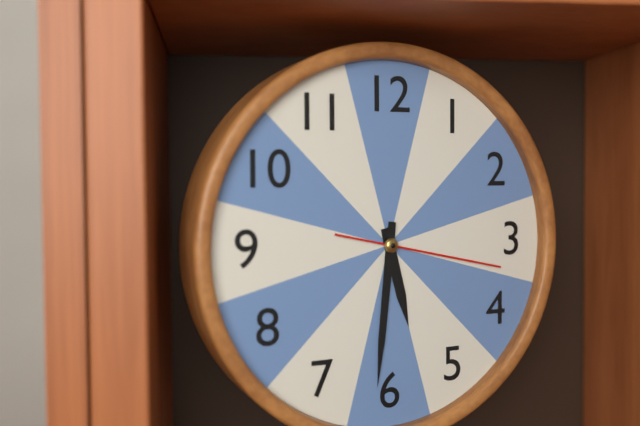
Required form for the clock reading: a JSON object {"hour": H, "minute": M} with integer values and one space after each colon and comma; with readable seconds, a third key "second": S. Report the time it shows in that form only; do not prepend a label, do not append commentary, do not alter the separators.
{"hour": 5, "minute": 31, "second": 17}
